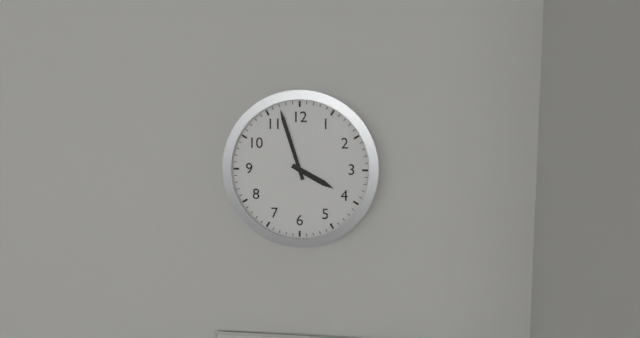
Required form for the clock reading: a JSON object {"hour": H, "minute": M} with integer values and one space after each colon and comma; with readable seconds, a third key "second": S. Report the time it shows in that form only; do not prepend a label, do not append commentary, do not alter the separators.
{"hour": 3, "minute": 57}
